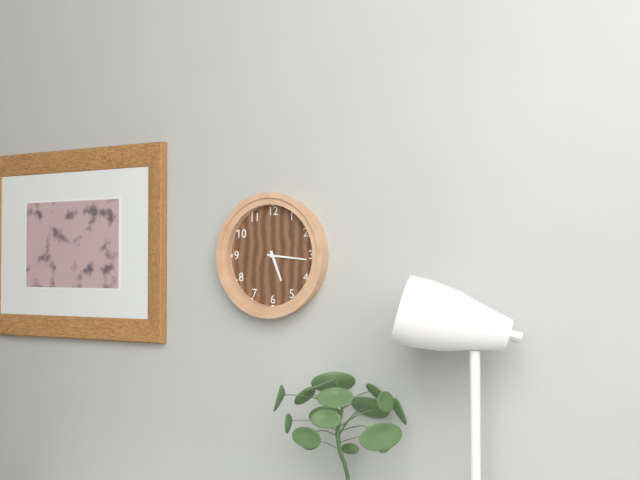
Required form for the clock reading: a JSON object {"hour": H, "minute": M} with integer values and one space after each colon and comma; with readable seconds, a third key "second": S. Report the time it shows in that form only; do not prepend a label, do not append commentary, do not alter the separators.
{"hour": 5, "minute": 16}
